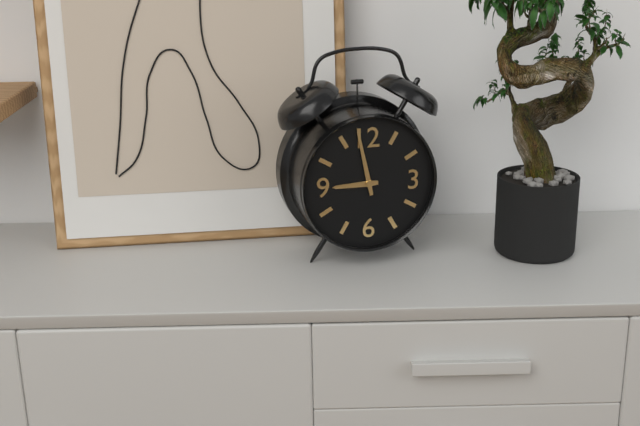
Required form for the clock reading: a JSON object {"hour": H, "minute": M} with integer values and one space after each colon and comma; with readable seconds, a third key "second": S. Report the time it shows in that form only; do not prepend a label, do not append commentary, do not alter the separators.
{"hour": 8, "minute": 58}
